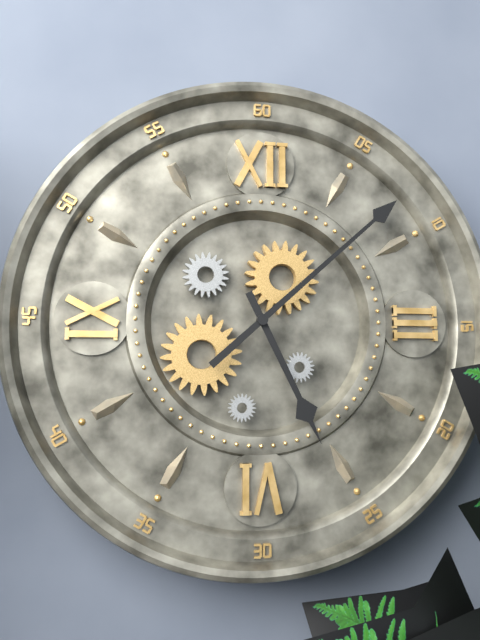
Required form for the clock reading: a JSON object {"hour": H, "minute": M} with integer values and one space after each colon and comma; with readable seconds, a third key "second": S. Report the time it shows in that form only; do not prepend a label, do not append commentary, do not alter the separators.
{"hour": 5, "minute": 8}
